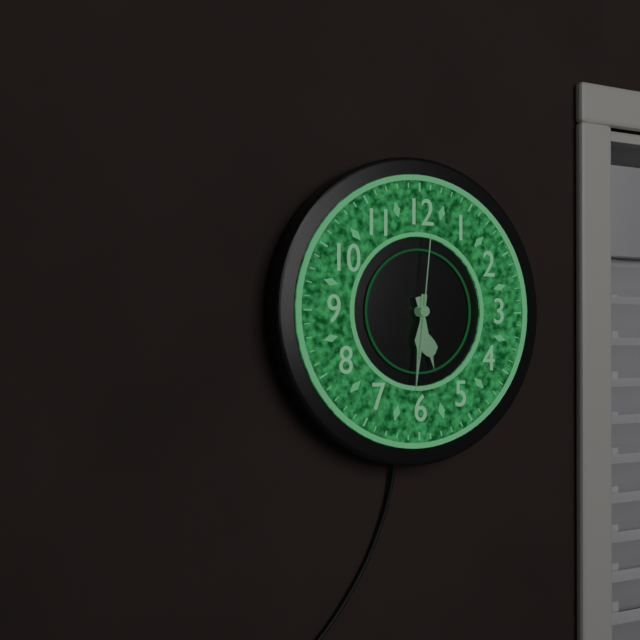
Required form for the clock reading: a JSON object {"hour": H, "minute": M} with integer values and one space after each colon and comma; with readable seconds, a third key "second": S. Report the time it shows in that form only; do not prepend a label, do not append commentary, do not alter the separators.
{"hour": 5, "minute": 31, "second": 1}
